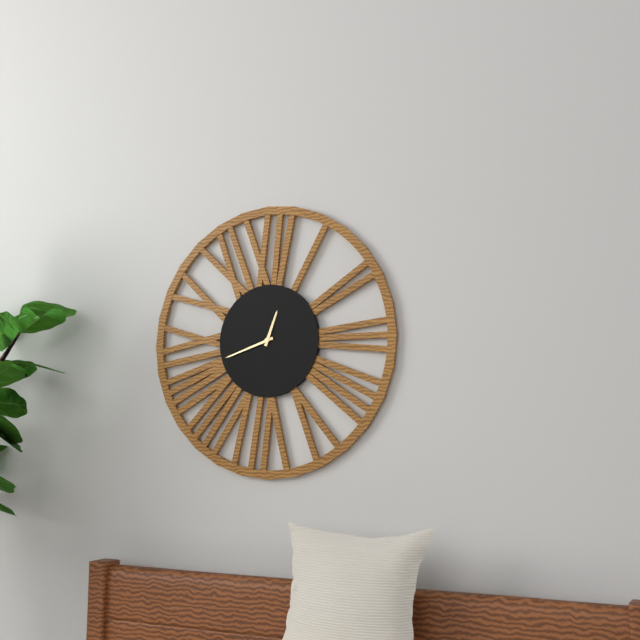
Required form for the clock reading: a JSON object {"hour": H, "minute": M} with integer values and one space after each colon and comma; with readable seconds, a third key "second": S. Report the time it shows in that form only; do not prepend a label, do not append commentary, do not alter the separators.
{"hour": 12, "minute": 42}
